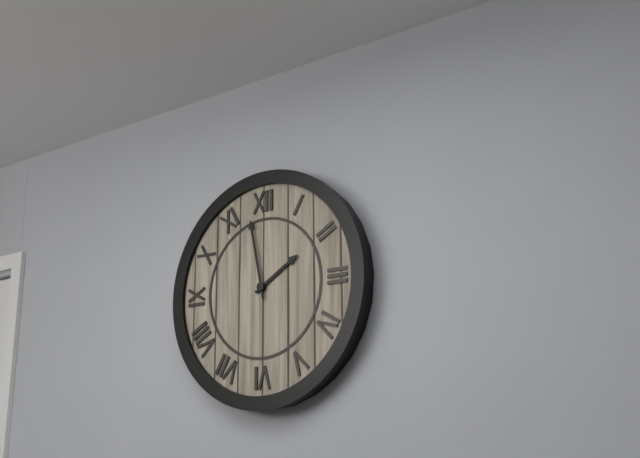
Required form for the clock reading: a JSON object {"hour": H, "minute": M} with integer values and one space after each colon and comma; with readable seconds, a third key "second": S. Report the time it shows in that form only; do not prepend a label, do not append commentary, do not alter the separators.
{"hour": 1, "minute": 58}
